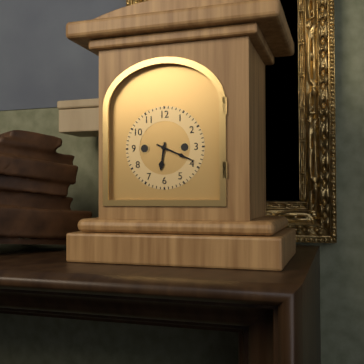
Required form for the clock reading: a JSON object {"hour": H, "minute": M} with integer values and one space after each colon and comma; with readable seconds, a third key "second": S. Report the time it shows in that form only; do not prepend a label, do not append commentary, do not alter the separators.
{"hour": 6, "minute": 19}
